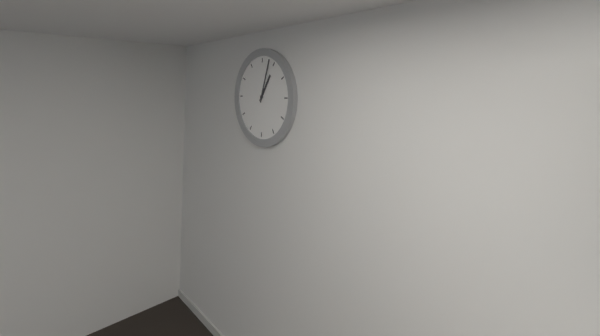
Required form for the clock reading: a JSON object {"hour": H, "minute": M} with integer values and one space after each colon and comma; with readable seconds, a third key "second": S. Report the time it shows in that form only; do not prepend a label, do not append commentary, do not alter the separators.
{"hour": 1, "minute": 3}
